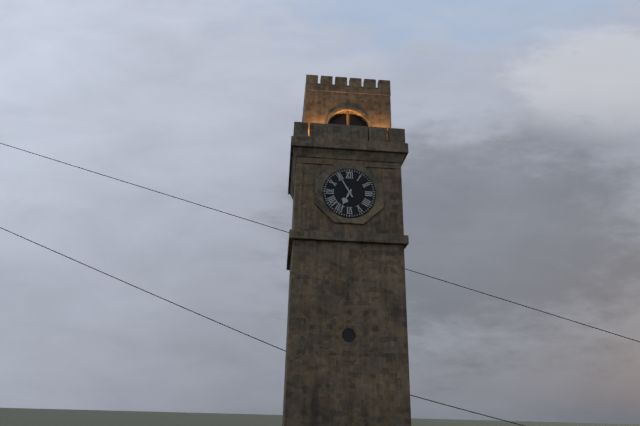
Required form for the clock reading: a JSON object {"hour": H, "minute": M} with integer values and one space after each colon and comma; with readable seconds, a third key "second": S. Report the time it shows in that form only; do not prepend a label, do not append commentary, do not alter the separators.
{"hour": 6, "minute": 55}
